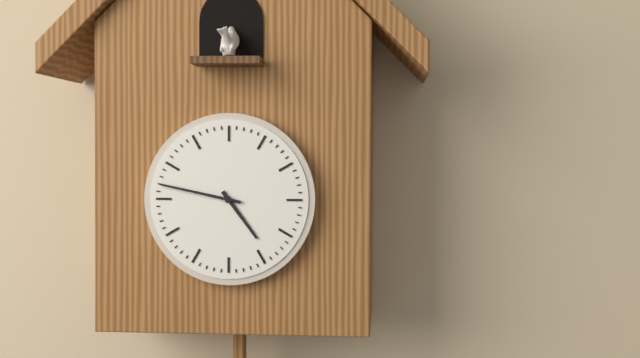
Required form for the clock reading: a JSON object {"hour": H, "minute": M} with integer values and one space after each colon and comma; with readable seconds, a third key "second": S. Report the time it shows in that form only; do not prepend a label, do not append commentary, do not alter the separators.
{"hour": 4, "minute": 47}
